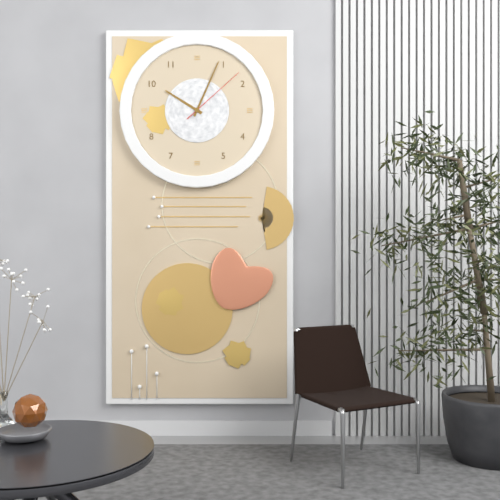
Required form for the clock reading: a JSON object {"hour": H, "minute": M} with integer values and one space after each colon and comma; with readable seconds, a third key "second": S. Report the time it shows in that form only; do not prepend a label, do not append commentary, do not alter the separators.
{"hour": 10, "minute": 4, "second": 8}
